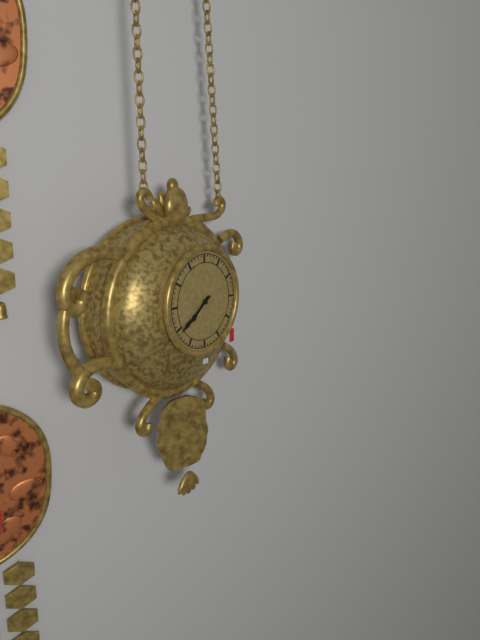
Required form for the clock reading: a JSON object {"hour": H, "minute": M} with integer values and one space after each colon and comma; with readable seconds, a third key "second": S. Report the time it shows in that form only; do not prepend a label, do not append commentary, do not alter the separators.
{"hour": 7, "minute": 39}
